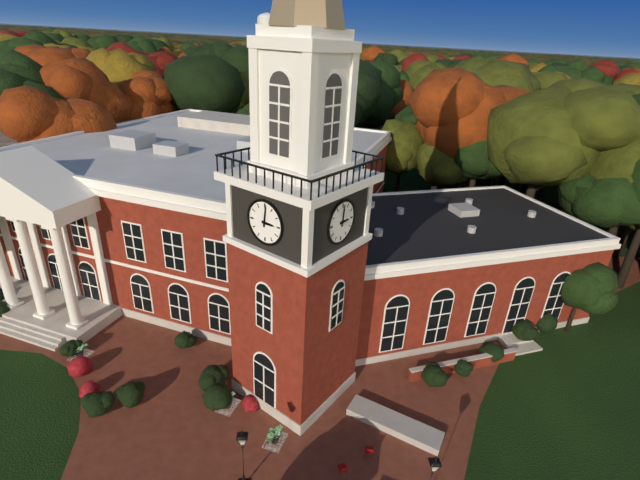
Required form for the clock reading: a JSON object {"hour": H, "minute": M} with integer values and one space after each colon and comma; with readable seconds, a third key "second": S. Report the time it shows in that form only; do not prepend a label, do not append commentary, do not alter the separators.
{"hour": 3, "minute": 1}
